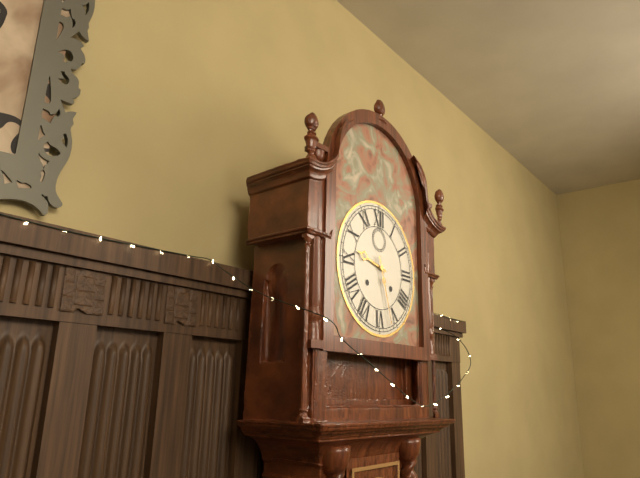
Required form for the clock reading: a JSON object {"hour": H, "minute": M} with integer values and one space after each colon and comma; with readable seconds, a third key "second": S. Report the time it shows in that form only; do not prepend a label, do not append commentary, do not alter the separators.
{"hour": 9, "minute": 27}
